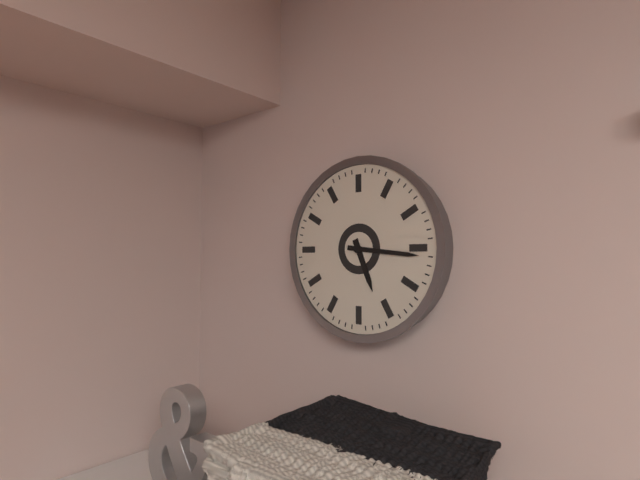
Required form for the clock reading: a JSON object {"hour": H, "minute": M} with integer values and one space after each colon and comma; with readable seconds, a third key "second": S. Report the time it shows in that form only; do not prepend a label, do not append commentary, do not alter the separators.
{"hour": 5, "minute": 16}
